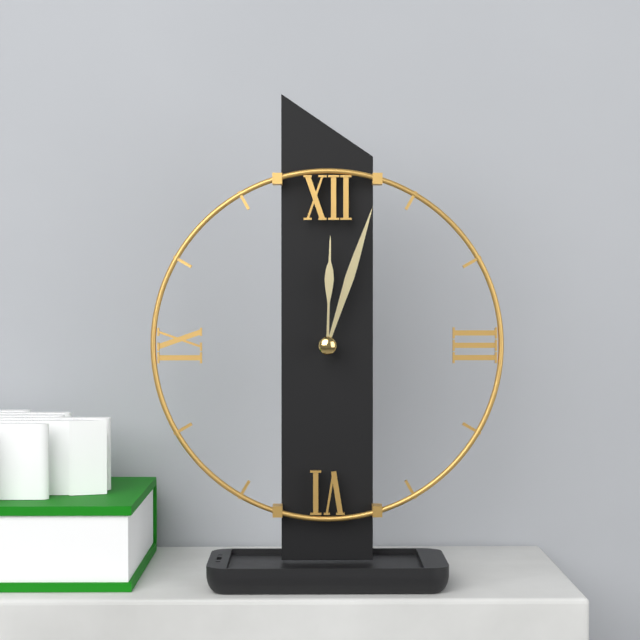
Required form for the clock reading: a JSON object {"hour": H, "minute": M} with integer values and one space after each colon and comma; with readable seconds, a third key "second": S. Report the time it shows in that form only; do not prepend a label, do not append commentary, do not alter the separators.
{"hour": 12, "minute": 3}
